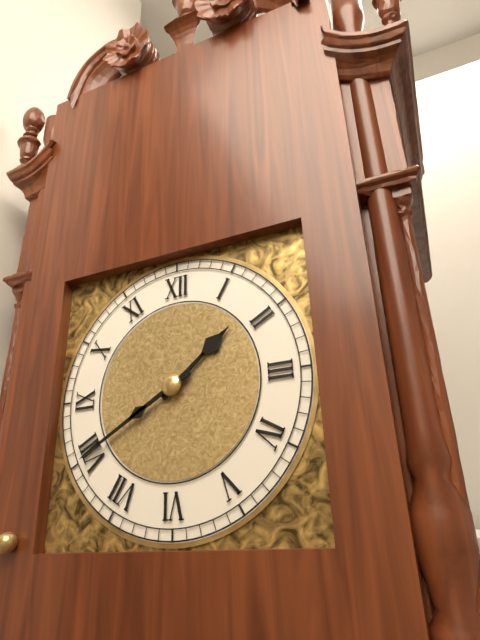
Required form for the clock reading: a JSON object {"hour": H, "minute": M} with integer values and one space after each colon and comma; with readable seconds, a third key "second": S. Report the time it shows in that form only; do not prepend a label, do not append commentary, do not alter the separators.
{"hour": 1, "minute": 40}
